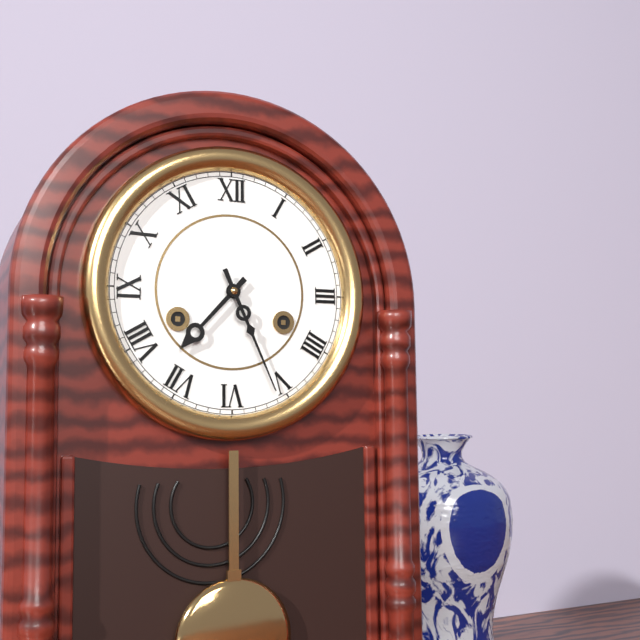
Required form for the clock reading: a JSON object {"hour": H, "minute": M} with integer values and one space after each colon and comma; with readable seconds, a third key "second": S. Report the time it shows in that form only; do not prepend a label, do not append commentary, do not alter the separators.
{"hour": 7, "minute": 26}
